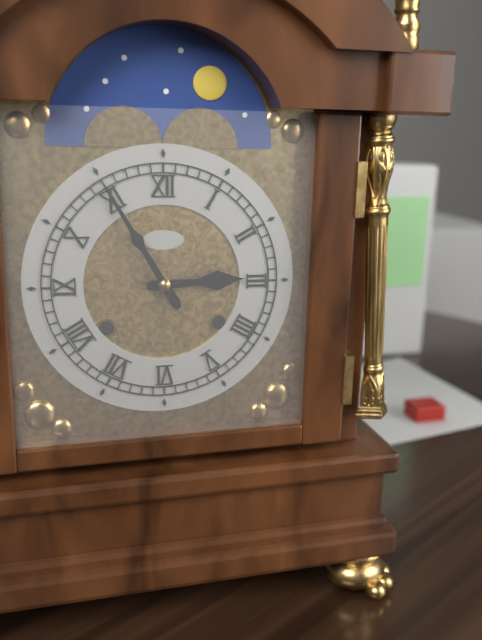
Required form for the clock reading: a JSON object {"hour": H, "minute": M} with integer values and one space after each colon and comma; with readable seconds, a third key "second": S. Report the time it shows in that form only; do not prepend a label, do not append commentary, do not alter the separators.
{"hour": 2, "minute": 55}
